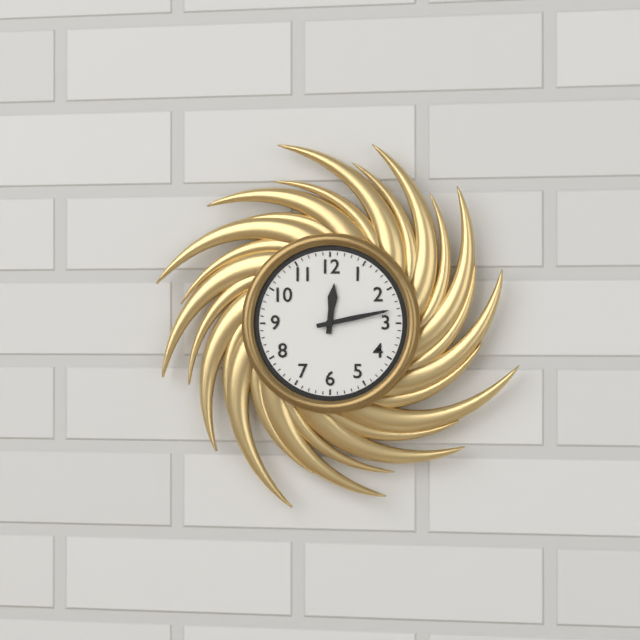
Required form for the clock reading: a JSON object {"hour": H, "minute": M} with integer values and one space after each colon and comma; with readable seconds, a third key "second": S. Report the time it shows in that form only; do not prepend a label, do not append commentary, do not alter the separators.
{"hour": 12, "minute": 13}
